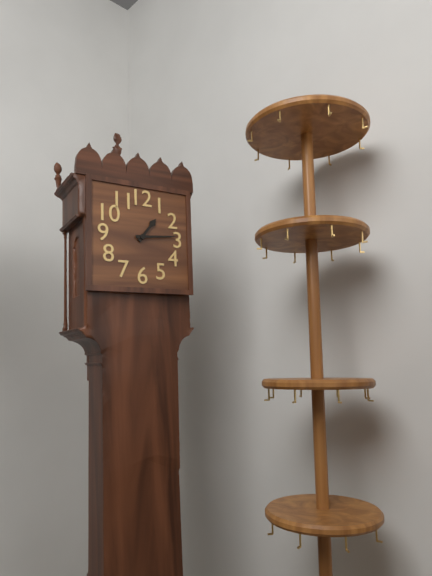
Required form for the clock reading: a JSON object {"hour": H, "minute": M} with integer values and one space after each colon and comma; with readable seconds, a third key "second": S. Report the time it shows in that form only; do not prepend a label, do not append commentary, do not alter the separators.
{"hour": 1, "minute": 14}
